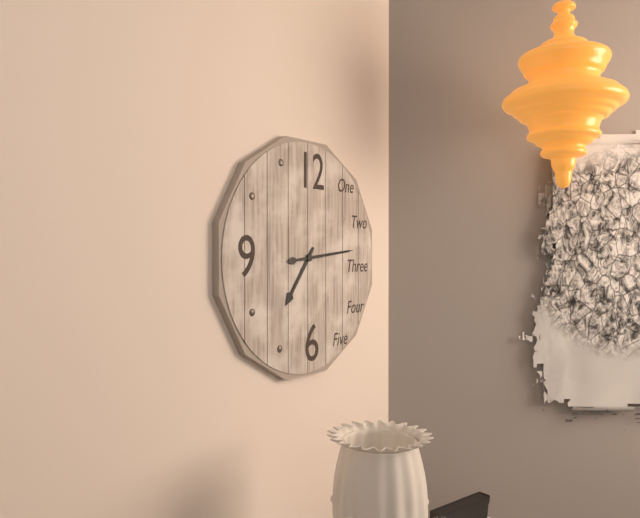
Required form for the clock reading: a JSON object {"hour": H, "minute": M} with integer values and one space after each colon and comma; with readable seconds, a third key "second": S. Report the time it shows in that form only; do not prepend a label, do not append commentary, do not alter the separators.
{"hour": 7, "minute": 14}
